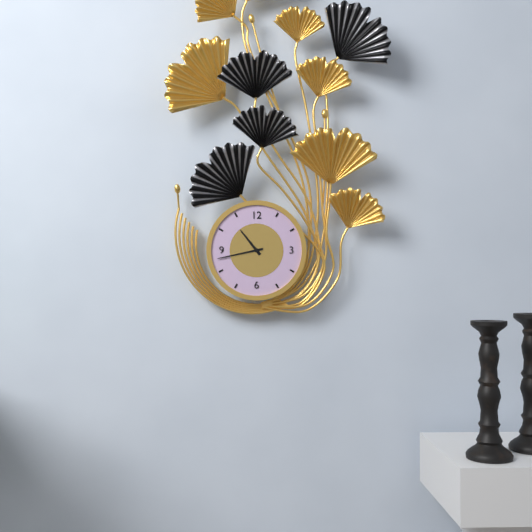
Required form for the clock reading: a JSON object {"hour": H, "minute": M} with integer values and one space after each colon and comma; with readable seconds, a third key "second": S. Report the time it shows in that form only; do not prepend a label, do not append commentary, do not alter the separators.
{"hour": 10, "minute": 43}
